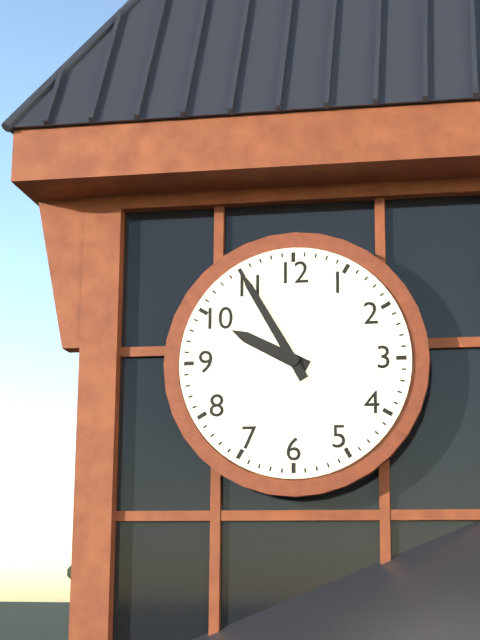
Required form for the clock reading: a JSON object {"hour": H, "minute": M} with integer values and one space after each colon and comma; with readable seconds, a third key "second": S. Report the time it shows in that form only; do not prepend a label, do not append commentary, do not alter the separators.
{"hour": 9, "minute": 55}
